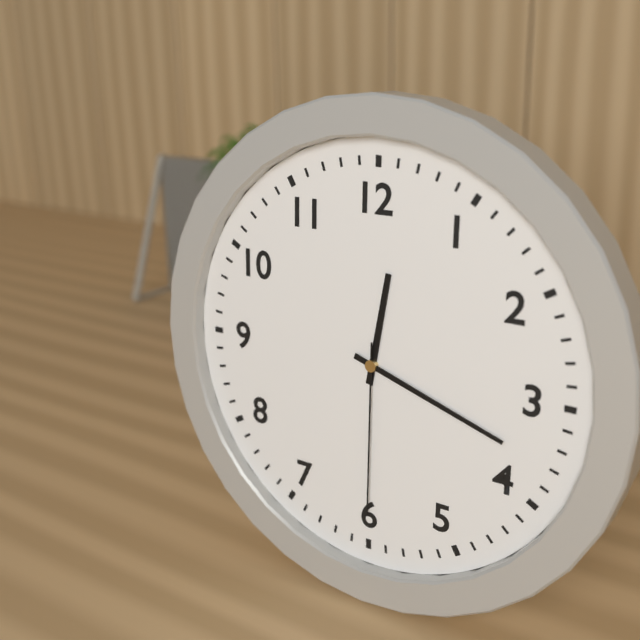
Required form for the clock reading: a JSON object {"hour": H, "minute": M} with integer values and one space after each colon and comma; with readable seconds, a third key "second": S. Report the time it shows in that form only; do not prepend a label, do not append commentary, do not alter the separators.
{"hour": 12, "minute": 18, "second": 30}
